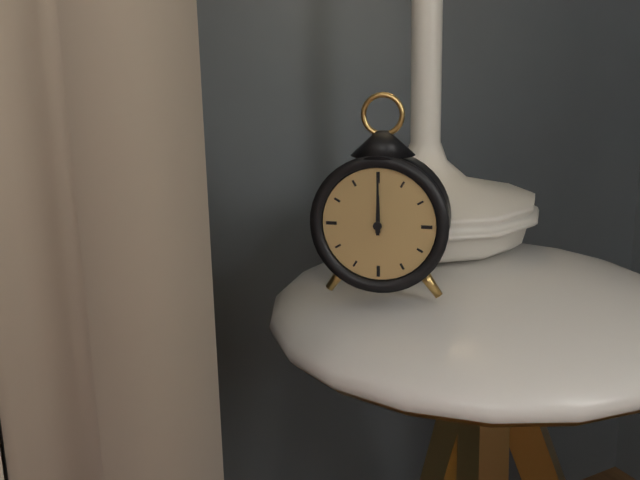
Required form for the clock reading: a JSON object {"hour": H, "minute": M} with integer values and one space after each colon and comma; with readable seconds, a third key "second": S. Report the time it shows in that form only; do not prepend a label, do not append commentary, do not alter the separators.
{"hour": 12, "minute": 0}
